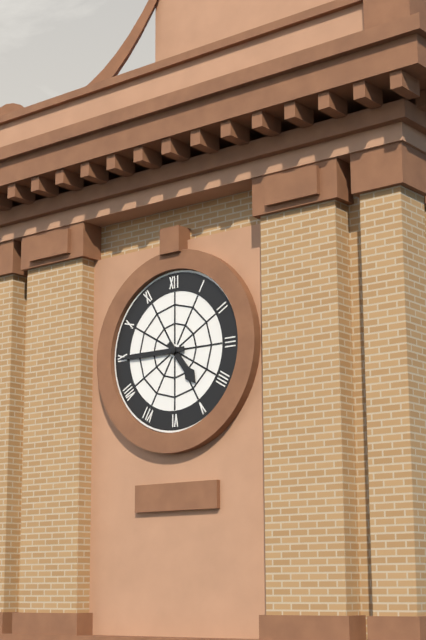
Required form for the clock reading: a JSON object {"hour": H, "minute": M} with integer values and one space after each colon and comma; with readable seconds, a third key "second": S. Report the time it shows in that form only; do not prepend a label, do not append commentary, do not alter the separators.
{"hour": 4, "minute": 45}
